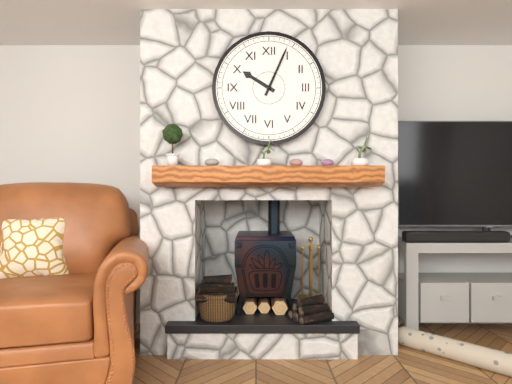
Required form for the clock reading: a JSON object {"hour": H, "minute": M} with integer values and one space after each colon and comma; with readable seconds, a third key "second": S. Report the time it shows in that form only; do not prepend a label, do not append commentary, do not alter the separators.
{"hour": 10, "minute": 4}
